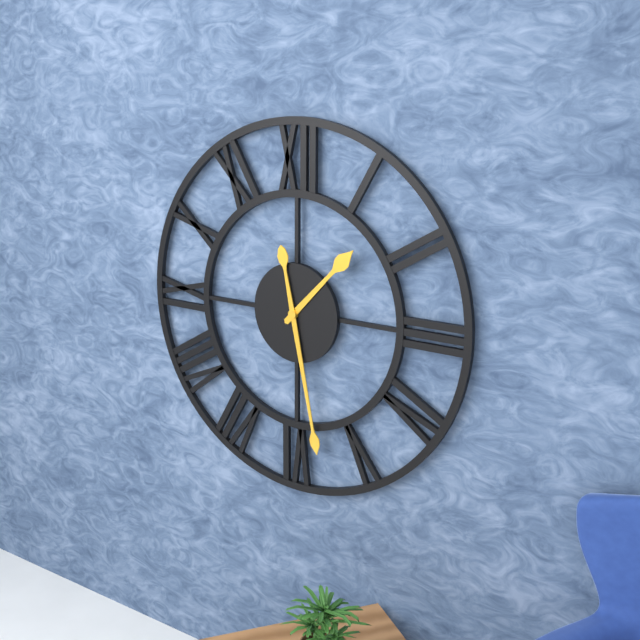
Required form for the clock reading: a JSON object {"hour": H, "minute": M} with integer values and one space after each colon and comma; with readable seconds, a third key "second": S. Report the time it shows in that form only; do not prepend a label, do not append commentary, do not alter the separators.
{"hour": 1, "minute": 28}
